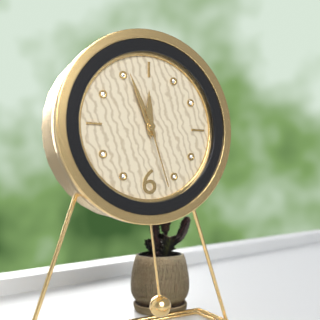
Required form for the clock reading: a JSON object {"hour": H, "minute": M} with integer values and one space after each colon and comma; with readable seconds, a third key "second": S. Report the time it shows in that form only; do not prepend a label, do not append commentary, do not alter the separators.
{"hour": 11, "minute": 56, "second": 27}
